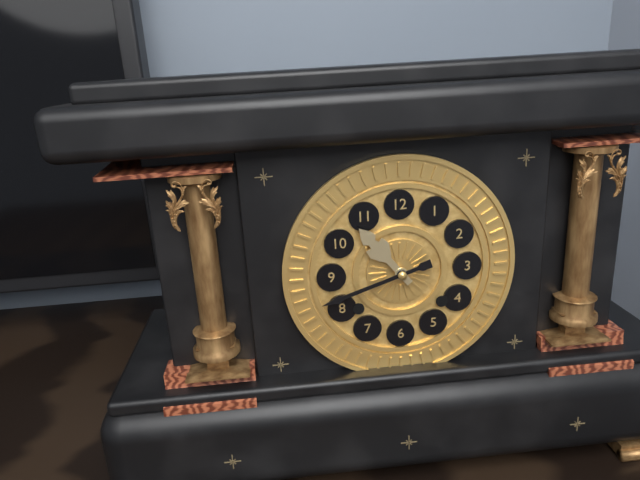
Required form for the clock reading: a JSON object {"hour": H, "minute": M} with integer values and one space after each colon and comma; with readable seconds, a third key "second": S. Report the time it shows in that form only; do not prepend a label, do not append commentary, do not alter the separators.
{"hour": 10, "minute": 42}
